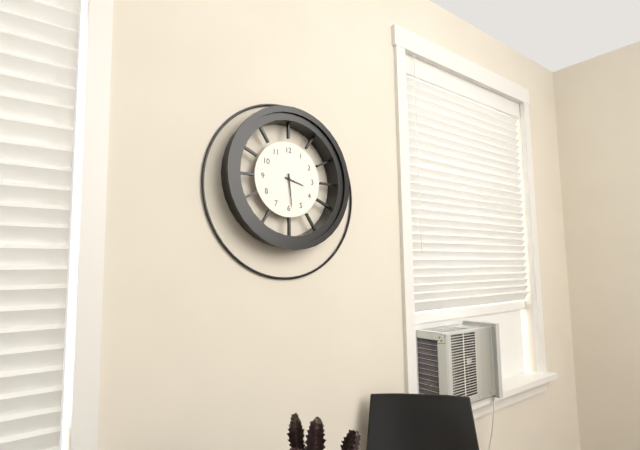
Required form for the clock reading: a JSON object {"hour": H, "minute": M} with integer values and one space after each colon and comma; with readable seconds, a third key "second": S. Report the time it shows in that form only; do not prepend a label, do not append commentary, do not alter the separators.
{"hour": 3, "minute": 29}
